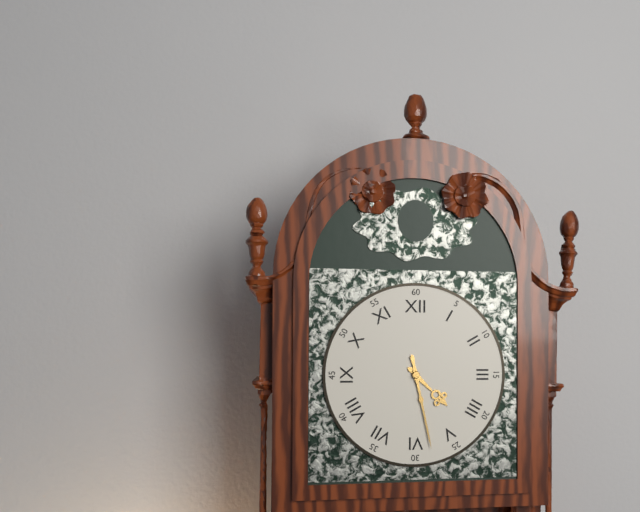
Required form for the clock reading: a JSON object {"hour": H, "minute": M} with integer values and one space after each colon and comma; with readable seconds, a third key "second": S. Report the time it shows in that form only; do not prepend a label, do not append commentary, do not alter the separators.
{"hour": 4, "minute": 28}
